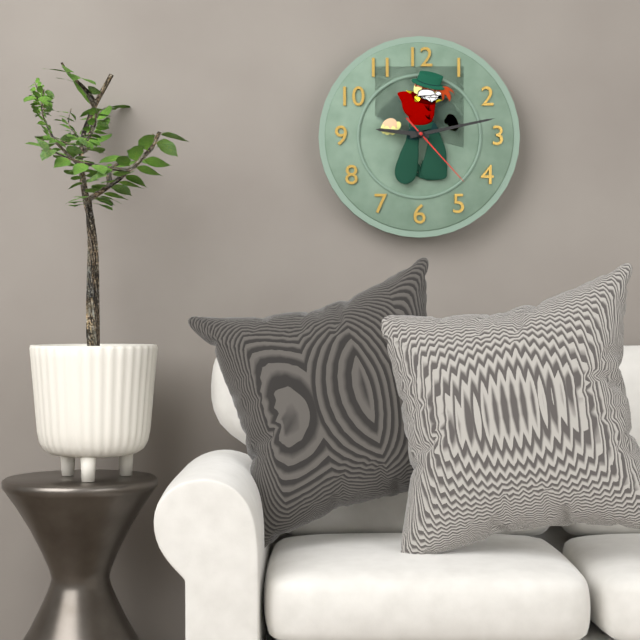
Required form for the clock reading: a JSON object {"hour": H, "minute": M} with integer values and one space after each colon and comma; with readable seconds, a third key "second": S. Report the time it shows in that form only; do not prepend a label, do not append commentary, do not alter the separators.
{"hour": 9, "minute": 13, "second": 23}
